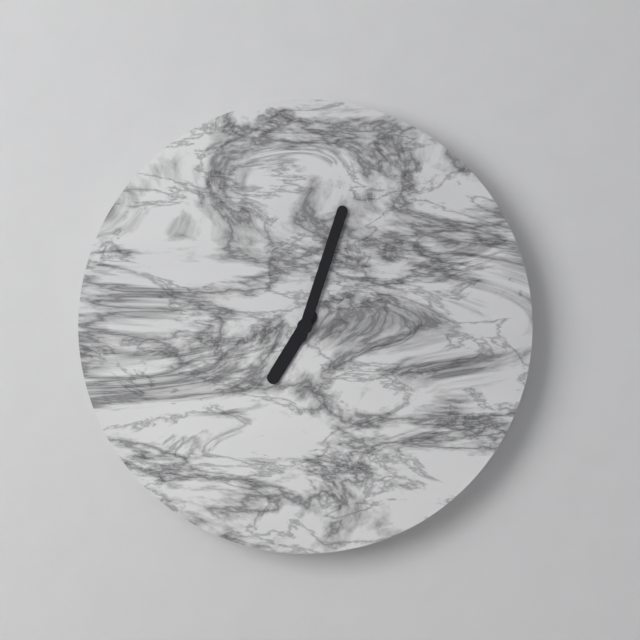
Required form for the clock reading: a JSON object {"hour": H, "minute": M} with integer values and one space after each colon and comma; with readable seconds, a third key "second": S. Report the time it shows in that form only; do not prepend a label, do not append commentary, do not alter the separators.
{"hour": 7, "minute": 3}
